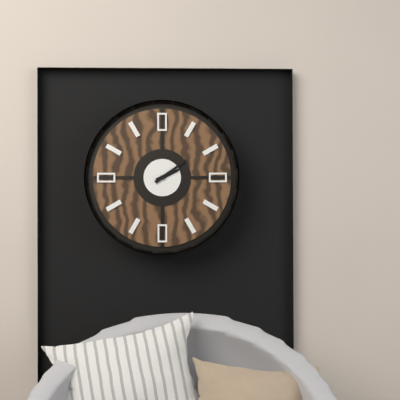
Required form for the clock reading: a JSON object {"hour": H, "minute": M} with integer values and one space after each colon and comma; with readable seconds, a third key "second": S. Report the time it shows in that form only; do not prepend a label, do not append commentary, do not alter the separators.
{"hour": 2, "minute": 9}
